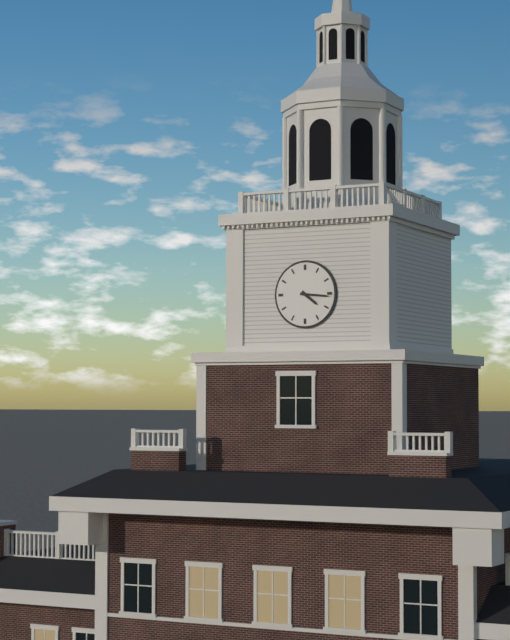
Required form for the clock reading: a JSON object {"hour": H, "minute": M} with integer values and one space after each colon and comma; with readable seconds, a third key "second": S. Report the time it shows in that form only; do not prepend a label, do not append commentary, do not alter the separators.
{"hour": 4, "minute": 16}
